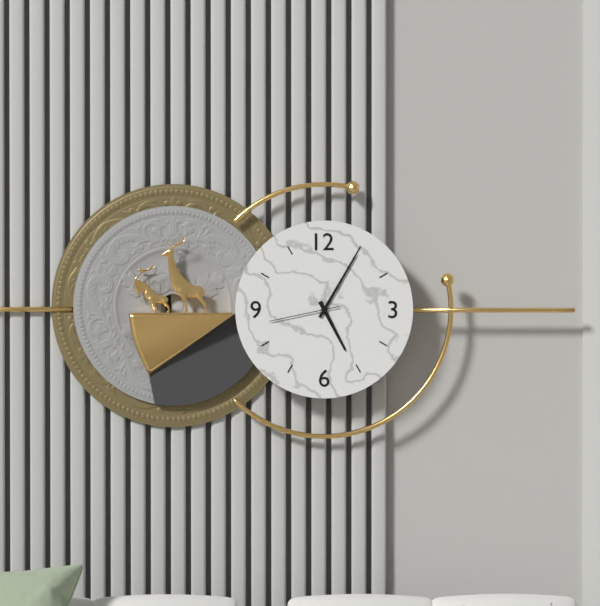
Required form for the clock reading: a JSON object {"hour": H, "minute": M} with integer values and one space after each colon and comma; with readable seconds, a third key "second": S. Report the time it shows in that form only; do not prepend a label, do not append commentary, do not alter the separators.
{"hour": 5, "minute": 5, "second": 43}
